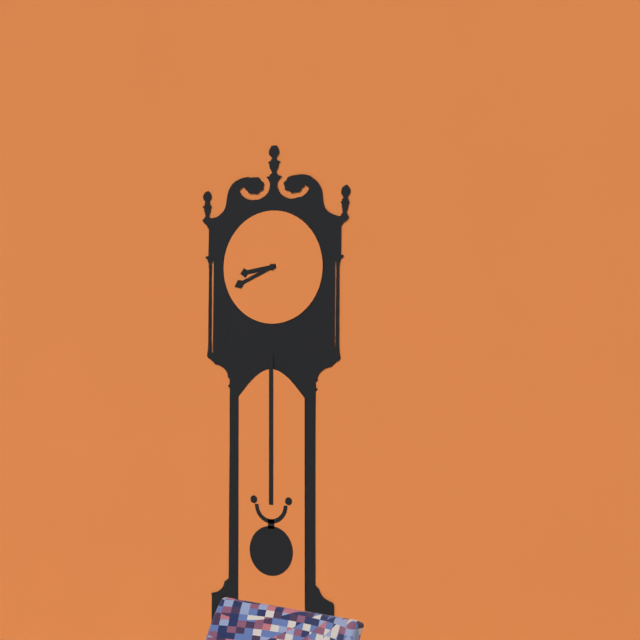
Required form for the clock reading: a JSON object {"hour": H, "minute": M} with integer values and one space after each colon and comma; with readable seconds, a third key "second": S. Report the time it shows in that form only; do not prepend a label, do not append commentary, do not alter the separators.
{"hour": 8, "minute": 41}
